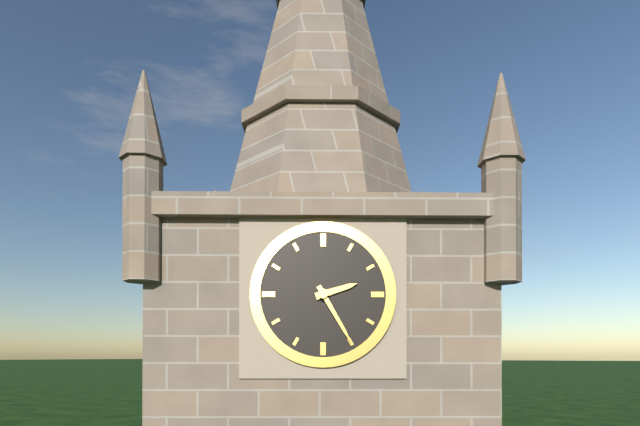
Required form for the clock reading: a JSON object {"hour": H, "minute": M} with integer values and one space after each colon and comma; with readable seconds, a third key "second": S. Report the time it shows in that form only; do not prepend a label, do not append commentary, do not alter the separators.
{"hour": 2, "minute": 25}
